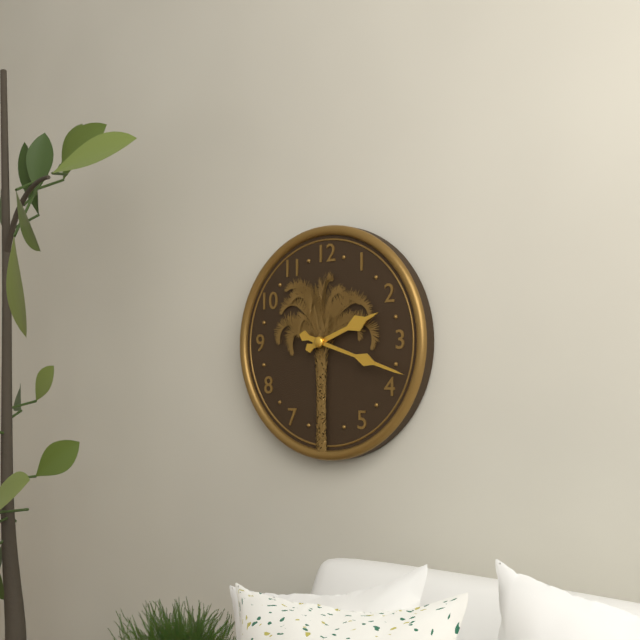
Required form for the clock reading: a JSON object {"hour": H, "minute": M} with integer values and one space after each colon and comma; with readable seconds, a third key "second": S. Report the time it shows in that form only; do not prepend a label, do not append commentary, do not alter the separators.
{"hour": 2, "minute": 18}
